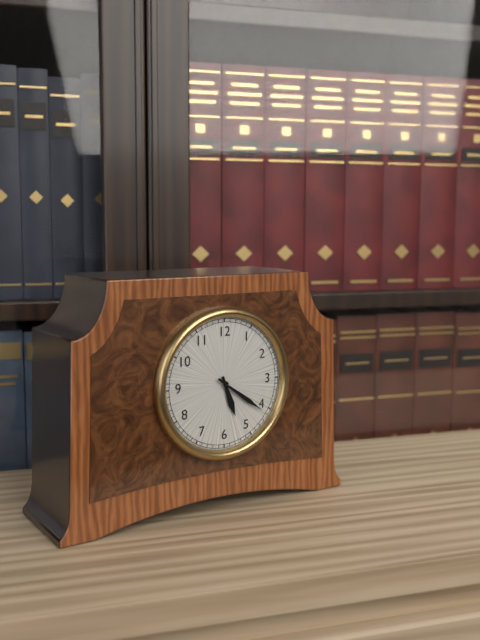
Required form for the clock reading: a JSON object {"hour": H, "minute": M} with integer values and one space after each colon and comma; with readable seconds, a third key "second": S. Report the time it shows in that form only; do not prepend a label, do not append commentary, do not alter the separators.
{"hour": 5, "minute": 21}
